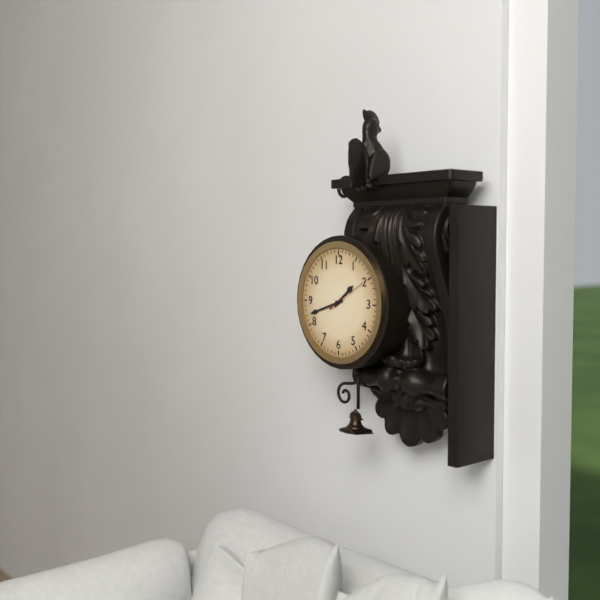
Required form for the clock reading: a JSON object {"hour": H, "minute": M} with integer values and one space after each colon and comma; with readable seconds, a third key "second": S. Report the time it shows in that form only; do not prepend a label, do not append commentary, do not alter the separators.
{"hour": 1, "minute": 42}
